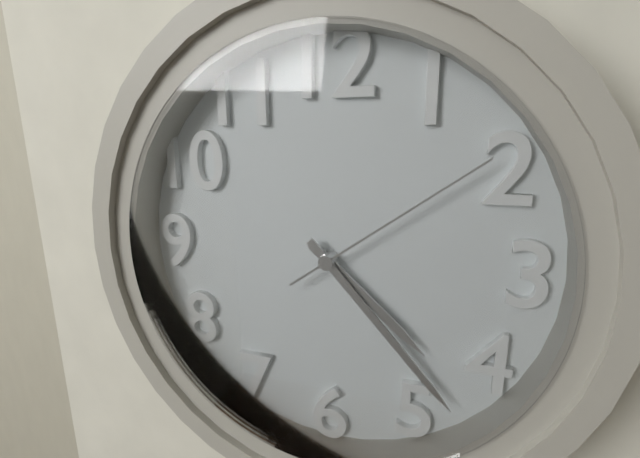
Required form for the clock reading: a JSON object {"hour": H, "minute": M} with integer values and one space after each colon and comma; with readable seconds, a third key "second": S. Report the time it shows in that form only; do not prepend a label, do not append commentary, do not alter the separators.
{"hour": 4, "minute": 23, "second": 9}
